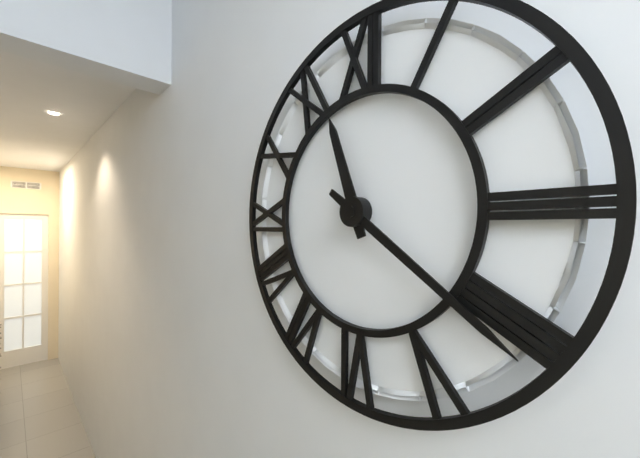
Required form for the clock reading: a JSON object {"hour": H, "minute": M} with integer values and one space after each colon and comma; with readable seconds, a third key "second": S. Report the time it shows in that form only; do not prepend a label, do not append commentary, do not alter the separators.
{"hour": 11, "minute": 21}
